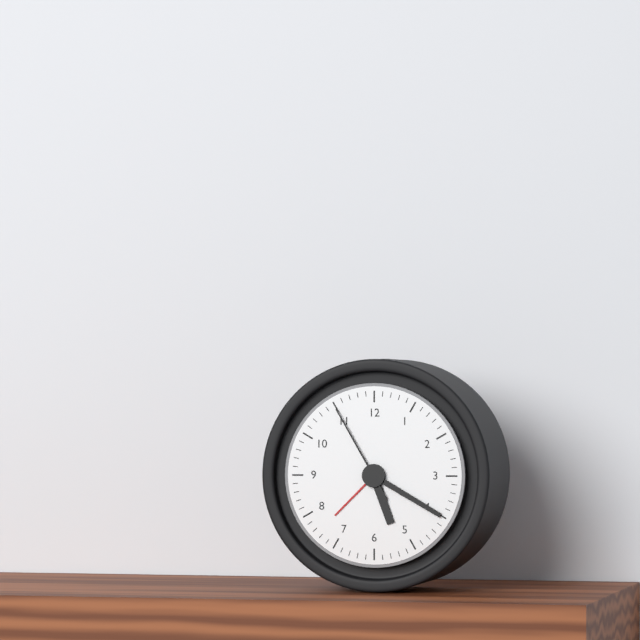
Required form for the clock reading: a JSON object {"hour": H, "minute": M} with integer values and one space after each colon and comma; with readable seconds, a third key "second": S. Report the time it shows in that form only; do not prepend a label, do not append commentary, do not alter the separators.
{"hour": 5, "minute": 20, "second": 55}
